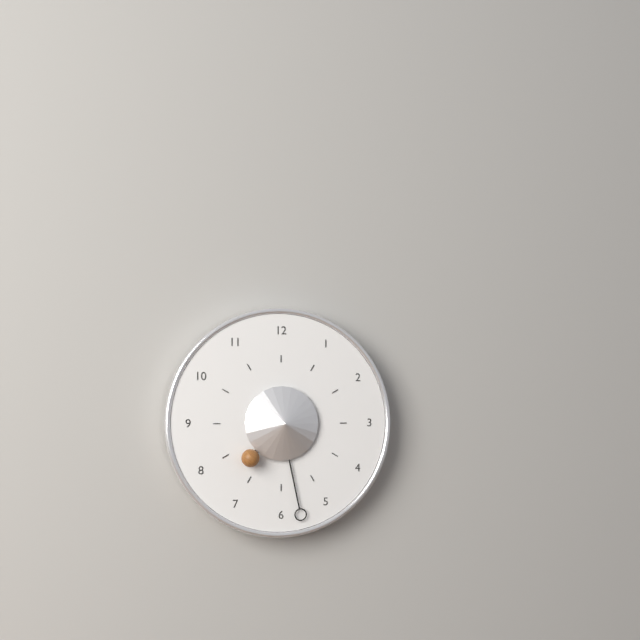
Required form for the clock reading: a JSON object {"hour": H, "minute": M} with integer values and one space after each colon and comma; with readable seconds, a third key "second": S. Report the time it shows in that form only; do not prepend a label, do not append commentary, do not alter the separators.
{"hour": 7, "minute": 28}
